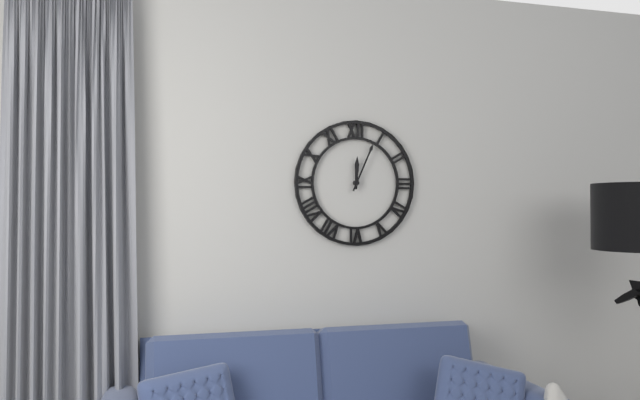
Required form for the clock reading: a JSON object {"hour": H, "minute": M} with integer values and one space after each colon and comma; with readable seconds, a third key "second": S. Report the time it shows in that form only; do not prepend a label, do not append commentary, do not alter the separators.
{"hour": 12, "minute": 4}
